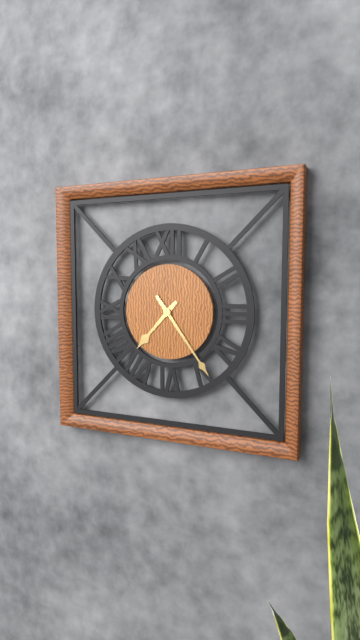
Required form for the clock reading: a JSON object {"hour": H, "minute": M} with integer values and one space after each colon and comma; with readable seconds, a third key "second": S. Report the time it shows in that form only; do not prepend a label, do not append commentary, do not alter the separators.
{"hour": 7, "minute": 24}
